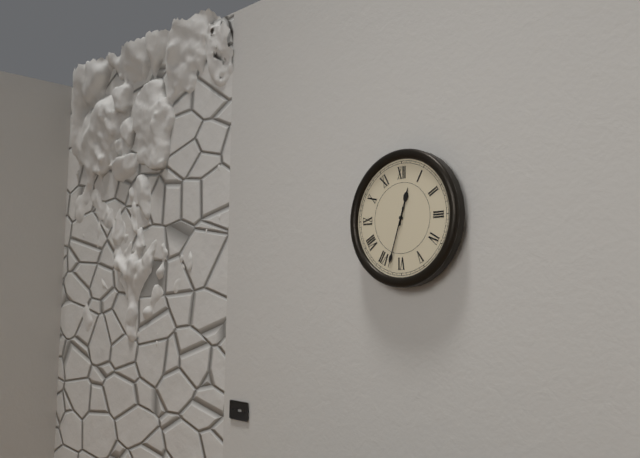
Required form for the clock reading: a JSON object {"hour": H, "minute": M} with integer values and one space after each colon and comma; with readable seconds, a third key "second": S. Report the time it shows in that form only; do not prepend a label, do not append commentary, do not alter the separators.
{"hour": 12, "minute": 33}
